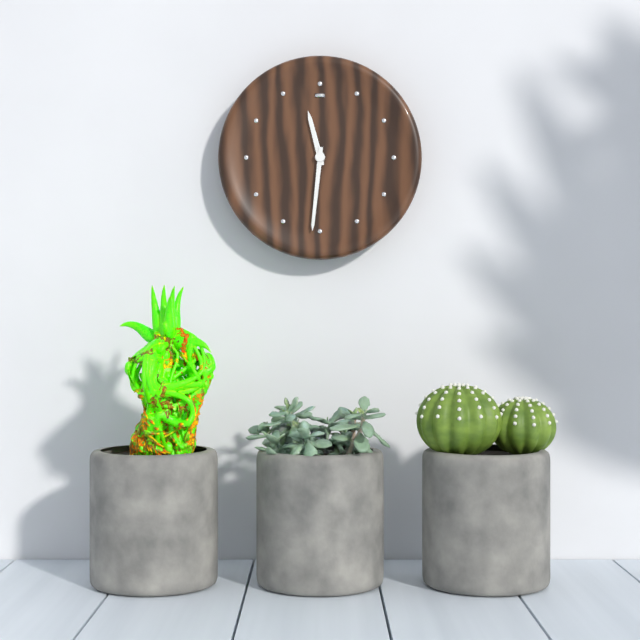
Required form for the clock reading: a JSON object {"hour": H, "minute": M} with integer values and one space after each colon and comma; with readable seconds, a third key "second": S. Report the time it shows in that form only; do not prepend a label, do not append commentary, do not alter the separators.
{"hour": 11, "minute": 31}
